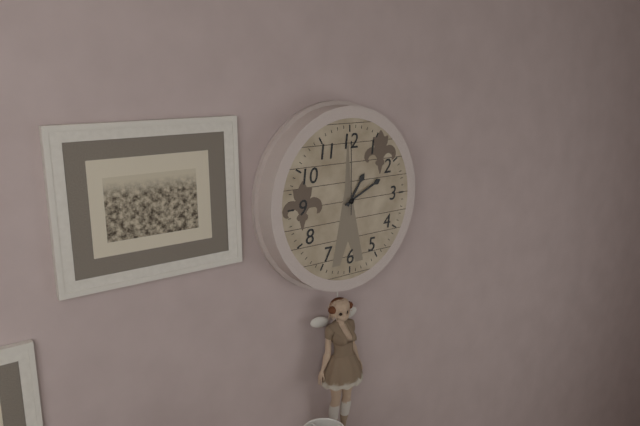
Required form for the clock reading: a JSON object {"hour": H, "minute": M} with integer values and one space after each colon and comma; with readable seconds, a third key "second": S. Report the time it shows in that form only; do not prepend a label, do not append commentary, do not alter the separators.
{"hour": 1, "minute": 11, "second": 0}
